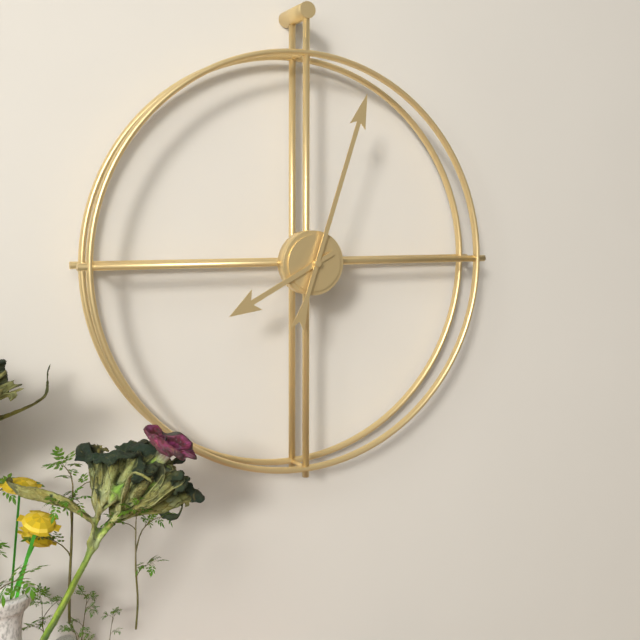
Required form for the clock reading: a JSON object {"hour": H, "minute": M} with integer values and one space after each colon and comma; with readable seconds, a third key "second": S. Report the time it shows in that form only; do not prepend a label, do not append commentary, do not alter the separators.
{"hour": 8, "minute": 3}
